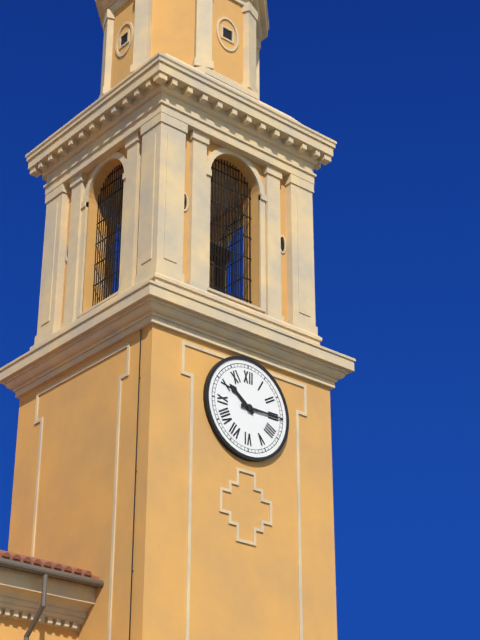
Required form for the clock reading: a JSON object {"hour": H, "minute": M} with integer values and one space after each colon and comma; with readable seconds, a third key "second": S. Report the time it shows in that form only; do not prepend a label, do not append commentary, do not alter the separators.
{"hour": 10, "minute": 15}
